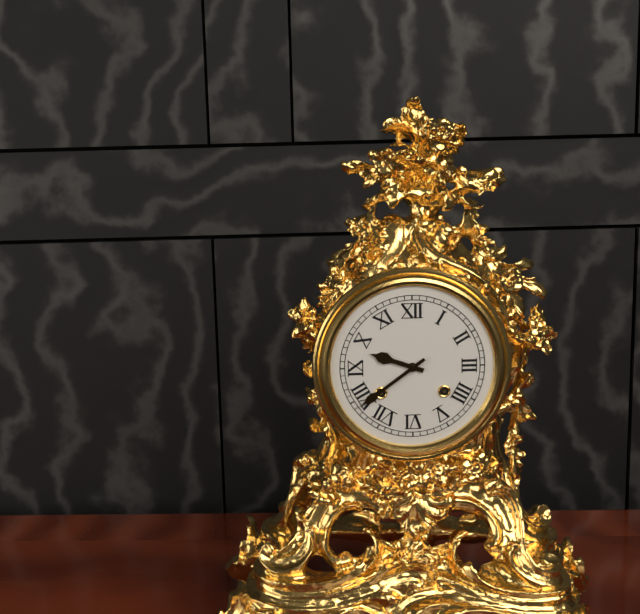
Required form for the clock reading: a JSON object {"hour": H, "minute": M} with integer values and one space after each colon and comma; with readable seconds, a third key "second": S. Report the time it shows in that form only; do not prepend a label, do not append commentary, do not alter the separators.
{"hour": 9, "minute": 39}
